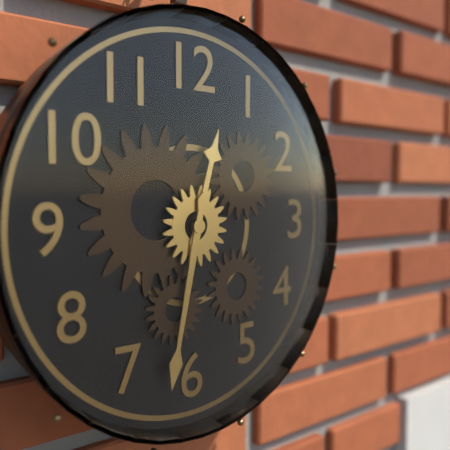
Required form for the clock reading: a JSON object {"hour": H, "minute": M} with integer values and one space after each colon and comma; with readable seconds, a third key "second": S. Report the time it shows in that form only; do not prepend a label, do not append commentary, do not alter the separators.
{"hour": 12, "minute": 32}
